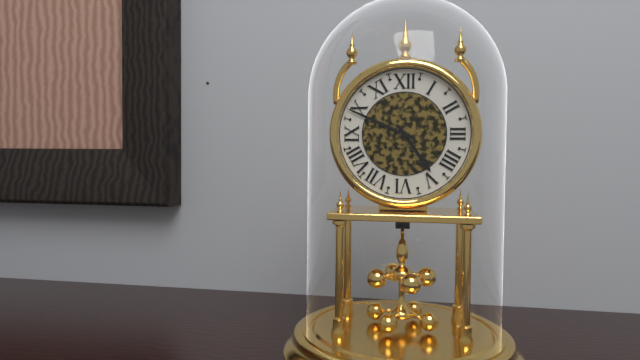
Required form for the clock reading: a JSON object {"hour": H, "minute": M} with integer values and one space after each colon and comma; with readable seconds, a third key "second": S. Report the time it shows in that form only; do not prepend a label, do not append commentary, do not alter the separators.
{"hour": 4, "minute": 49}
